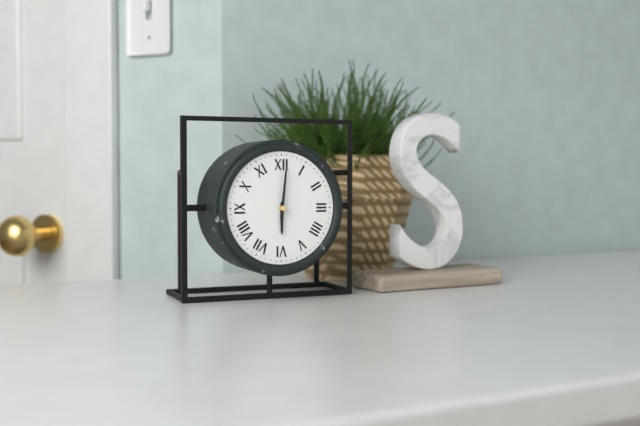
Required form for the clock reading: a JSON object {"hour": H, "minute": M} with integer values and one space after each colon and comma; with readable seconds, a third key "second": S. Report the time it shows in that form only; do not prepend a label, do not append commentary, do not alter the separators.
{"hour": 6, "minute": 1}
